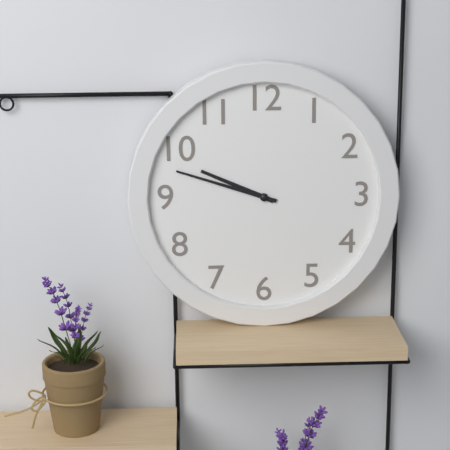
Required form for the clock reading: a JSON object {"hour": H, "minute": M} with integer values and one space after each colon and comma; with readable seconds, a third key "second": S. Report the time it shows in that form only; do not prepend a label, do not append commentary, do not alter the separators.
{"hour": 9, "minute": 48}
